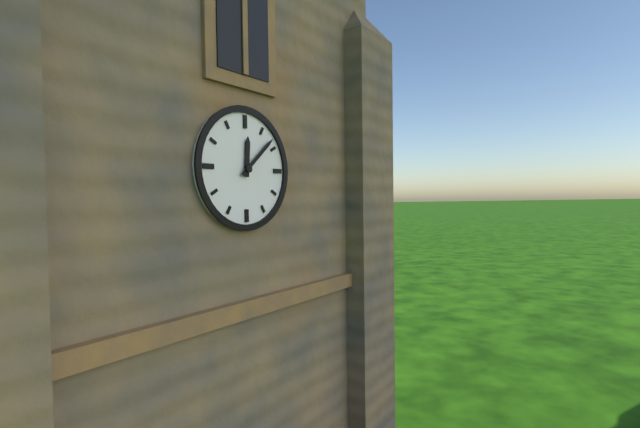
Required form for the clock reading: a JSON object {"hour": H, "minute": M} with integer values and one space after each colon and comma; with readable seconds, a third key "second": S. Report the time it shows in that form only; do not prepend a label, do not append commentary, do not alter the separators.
{"hour": 12, "minute": 8}
